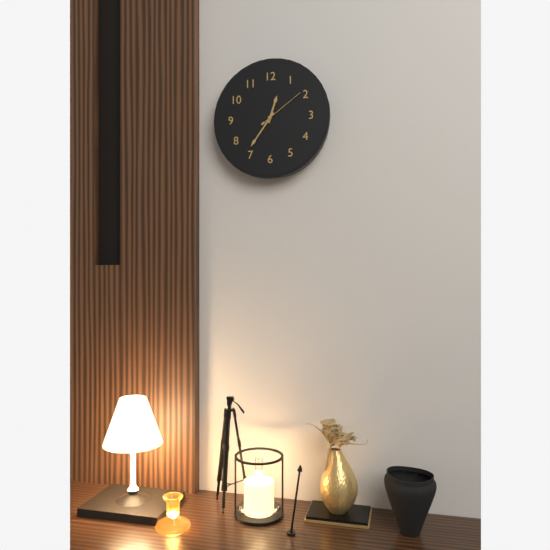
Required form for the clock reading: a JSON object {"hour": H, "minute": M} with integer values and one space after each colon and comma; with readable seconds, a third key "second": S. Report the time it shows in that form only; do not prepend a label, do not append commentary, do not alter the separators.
{"hour": 12, "minute": 36}
